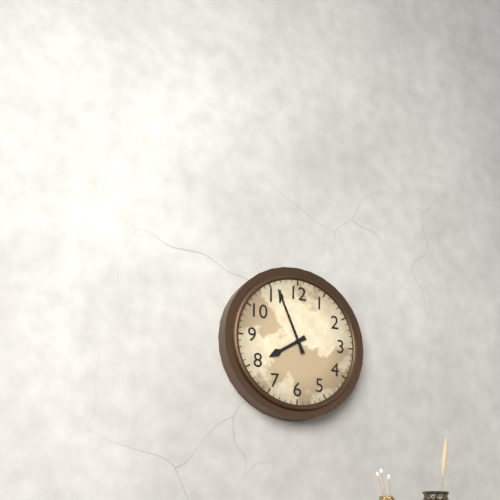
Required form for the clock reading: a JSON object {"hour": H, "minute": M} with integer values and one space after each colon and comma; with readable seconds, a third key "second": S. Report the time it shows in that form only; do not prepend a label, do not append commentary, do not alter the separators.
{"hour": 7, "minute": 56}
